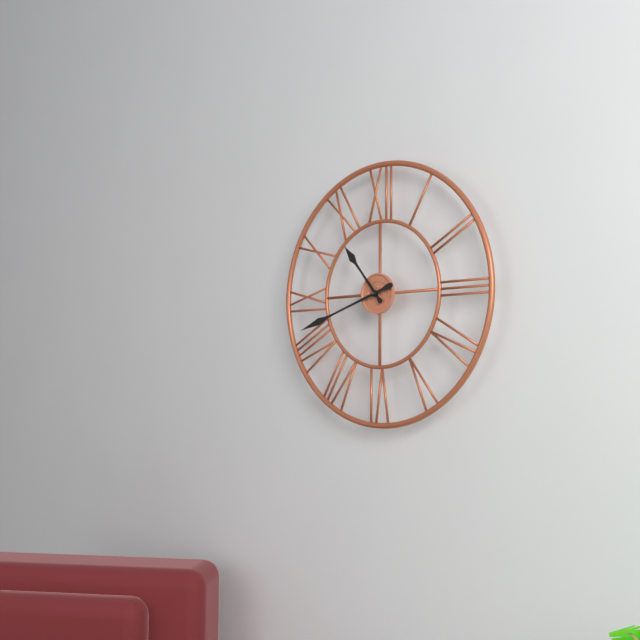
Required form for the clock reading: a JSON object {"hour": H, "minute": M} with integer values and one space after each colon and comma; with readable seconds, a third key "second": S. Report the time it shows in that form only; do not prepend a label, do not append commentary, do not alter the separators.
{"hour": 10, "minute": 42}
